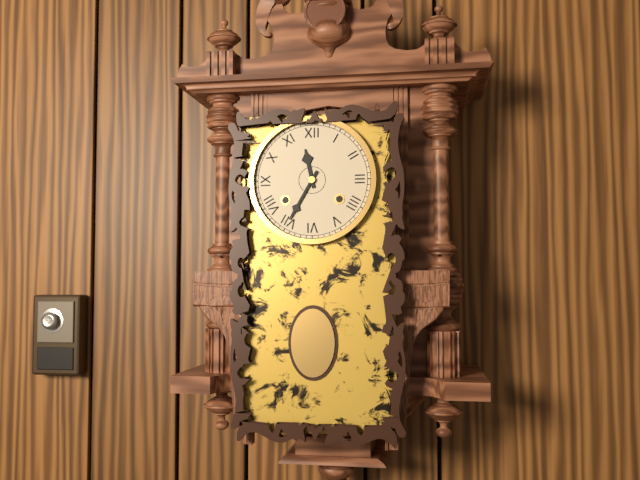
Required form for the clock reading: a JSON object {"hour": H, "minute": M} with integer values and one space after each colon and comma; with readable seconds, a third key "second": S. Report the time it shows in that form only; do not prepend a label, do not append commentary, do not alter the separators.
{"hour": 11, "minute": 35}
